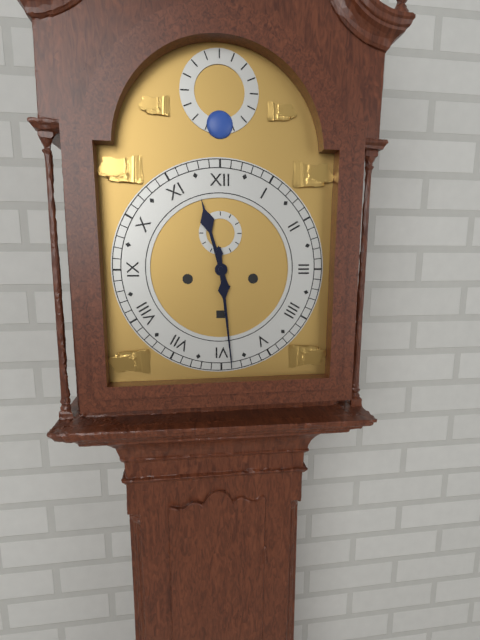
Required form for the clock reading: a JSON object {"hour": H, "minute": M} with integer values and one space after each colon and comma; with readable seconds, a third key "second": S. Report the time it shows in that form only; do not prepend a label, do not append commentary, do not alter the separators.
{"hour": 11, "minute": 29}
